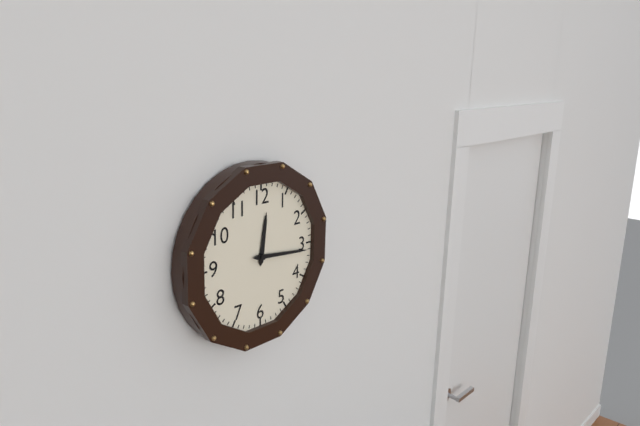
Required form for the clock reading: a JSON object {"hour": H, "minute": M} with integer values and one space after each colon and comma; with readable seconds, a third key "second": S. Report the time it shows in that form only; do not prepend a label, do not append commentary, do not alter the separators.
{"hour": 12, "minute": 16}
